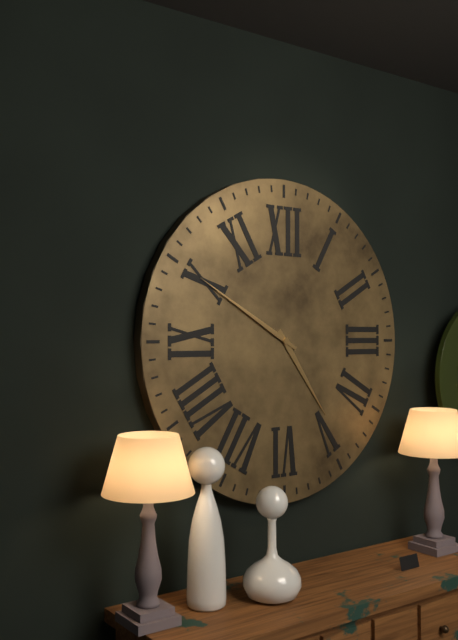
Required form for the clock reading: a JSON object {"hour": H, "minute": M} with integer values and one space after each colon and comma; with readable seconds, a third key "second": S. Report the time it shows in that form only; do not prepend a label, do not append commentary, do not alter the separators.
{"hour": 4, "minute": 50}
